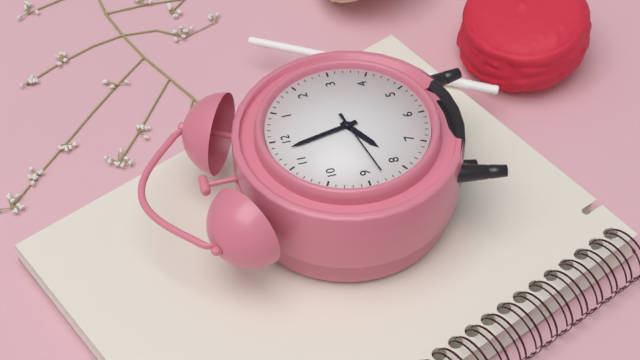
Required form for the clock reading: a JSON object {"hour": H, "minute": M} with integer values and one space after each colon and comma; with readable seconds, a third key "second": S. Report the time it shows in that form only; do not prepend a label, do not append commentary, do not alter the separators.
{"hour": 7, "minute": 58, "second": 43}
